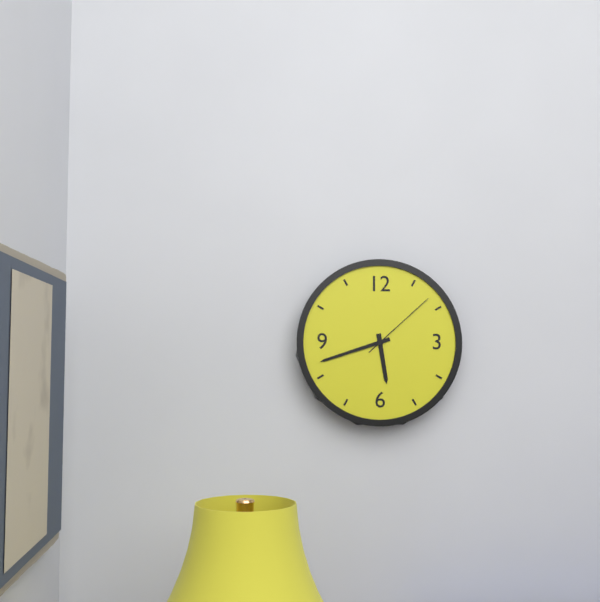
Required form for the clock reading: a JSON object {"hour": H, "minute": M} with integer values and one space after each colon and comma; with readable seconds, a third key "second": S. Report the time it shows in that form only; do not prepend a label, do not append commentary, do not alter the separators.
{"hour": 5, "minute": 42, "second": 8}
